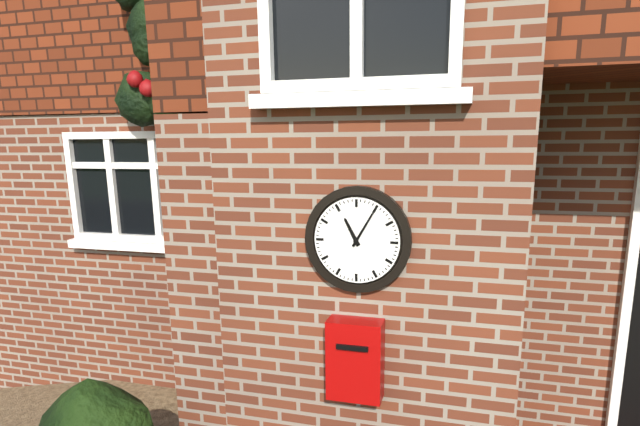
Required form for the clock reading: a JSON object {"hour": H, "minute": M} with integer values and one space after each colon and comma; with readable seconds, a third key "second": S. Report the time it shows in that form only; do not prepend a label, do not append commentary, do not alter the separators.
{"hour": 11, "minute": 5}
